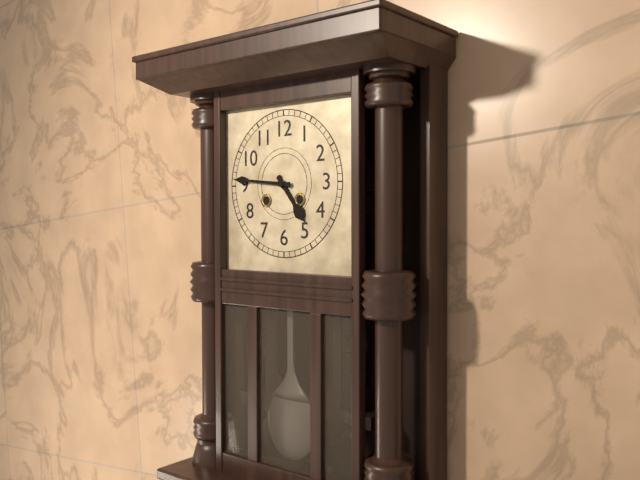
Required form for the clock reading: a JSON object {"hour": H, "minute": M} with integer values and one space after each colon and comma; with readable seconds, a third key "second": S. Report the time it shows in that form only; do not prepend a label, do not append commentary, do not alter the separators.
{"hour": 4, "minute": 46}
